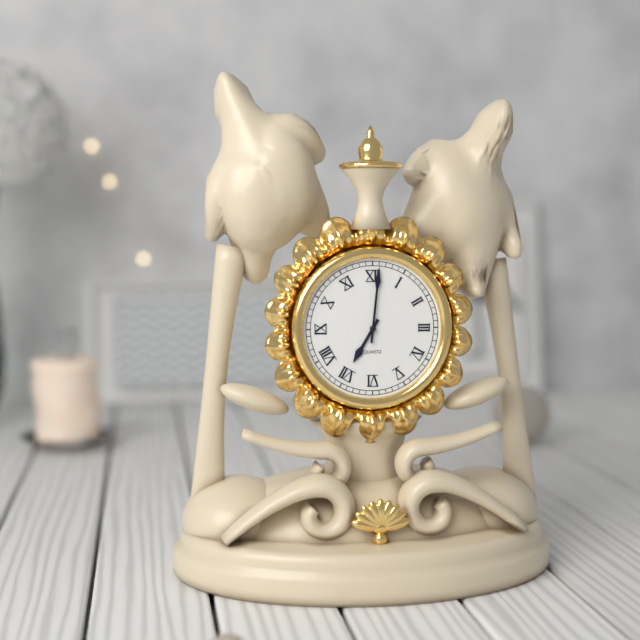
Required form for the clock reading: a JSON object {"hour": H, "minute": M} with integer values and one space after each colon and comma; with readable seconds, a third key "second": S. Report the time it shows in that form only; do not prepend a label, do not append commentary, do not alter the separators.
{"hour": 7, "minute": 1}
